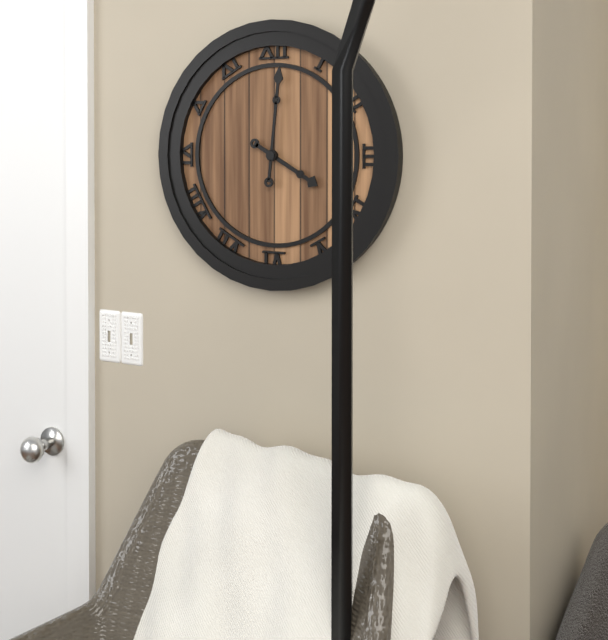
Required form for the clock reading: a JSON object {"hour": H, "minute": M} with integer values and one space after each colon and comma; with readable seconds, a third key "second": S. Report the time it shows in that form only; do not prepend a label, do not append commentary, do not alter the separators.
{"hour": 4, "minute": 1}
